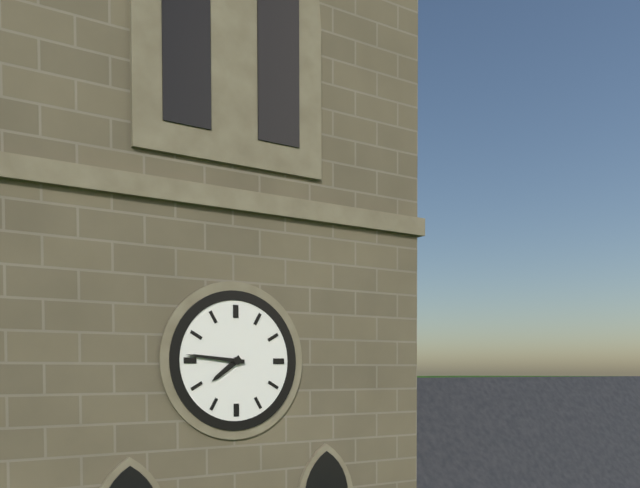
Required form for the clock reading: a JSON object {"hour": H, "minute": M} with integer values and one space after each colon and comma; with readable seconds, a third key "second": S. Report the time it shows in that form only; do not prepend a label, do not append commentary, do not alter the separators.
{"hour": 7, "minute": 46}
